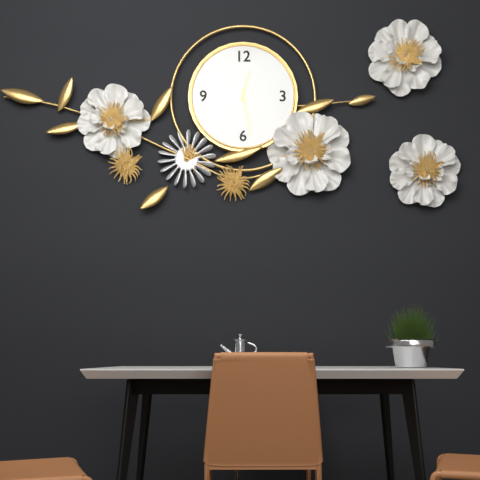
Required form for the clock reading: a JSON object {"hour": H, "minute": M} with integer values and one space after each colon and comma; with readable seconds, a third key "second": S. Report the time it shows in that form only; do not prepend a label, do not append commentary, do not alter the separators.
{"hour": 12, "minute": 28}
